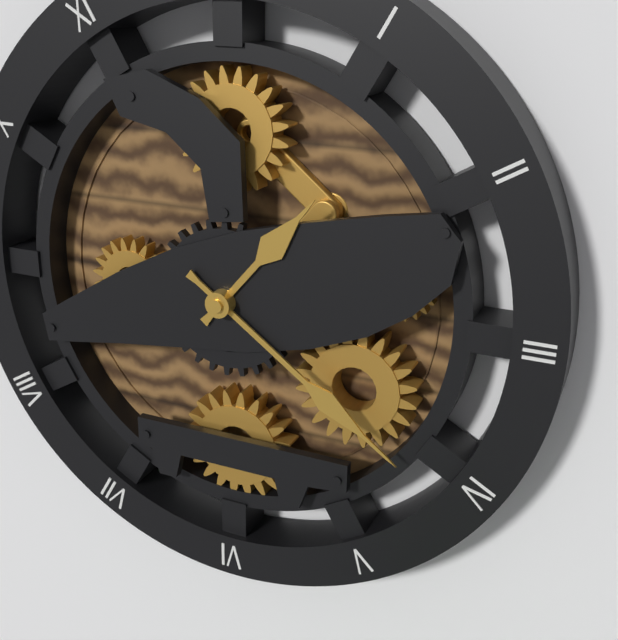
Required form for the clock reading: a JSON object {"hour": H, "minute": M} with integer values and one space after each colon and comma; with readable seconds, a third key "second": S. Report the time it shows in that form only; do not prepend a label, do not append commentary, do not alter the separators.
{"hour": 1, "minute": 21}
